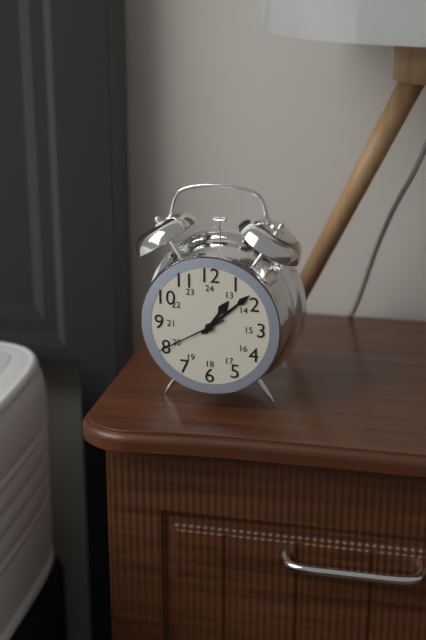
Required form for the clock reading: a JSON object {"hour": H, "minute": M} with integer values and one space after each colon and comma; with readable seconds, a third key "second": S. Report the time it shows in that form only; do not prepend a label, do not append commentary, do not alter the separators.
{"hour": 1, "minute": 8, "second": 40}
